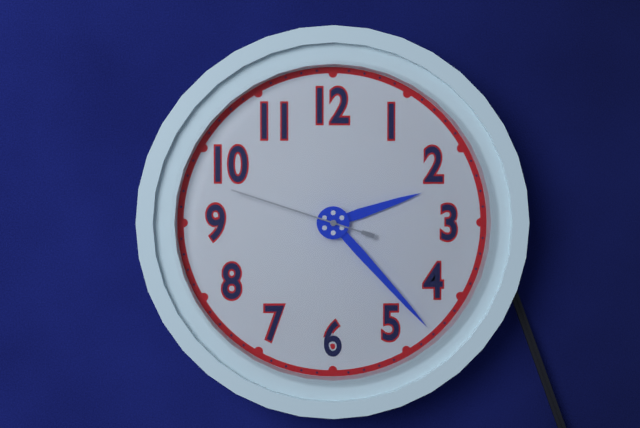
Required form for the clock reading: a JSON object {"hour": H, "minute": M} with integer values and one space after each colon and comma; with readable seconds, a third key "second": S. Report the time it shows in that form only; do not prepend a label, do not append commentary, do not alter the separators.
{"hour": 2, "minute": 23, "second": 48}
